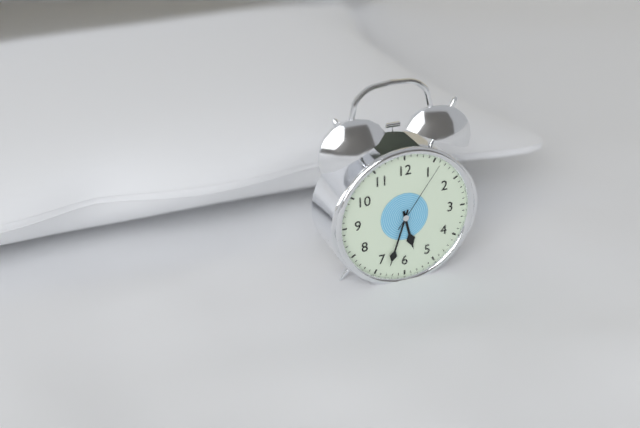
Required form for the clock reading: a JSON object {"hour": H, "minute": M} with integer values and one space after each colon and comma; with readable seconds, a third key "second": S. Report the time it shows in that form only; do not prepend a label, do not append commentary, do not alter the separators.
{"hour": 5, "minute": 33, "second": 6}
